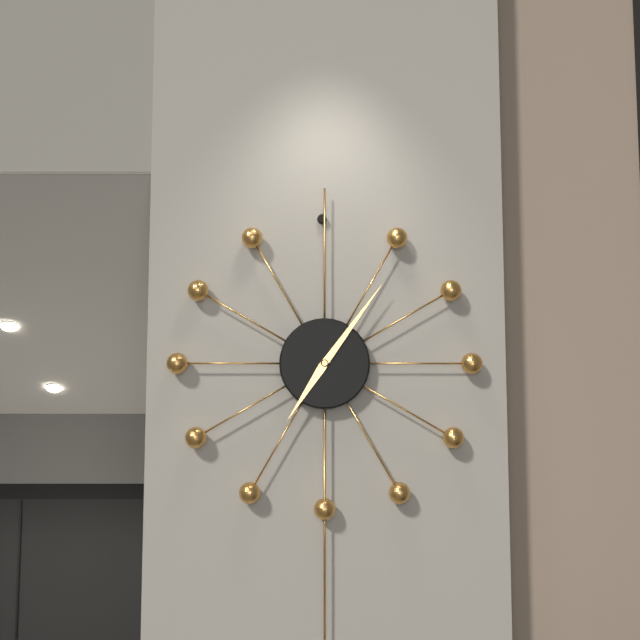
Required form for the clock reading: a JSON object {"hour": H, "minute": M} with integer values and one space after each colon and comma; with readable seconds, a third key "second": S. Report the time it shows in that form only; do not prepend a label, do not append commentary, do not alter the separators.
{"hour": 7, "minute": 6}
